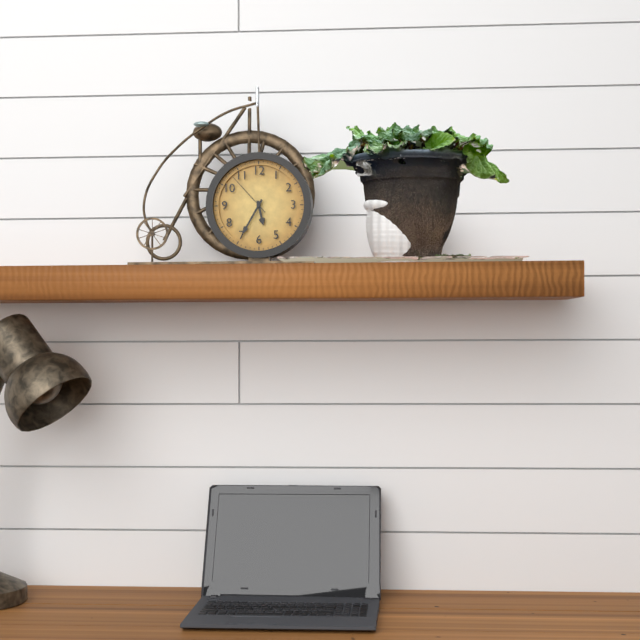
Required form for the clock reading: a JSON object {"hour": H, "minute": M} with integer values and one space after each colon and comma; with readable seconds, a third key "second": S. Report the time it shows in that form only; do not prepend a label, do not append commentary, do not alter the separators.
{"hour": 5, "minute": 35}
